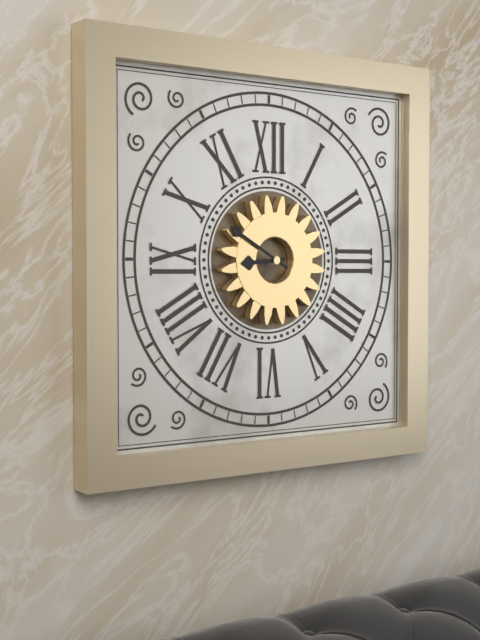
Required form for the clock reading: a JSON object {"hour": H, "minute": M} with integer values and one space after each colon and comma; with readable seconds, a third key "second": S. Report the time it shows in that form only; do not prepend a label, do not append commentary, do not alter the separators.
{"hour": 8, "minute": 50}
